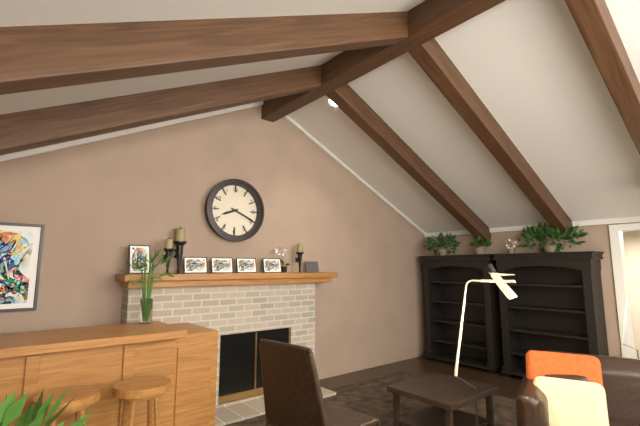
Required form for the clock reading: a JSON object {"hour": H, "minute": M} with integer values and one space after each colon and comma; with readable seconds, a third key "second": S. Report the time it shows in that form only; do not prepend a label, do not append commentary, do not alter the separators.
{"hour": 8, "minute": 19}
